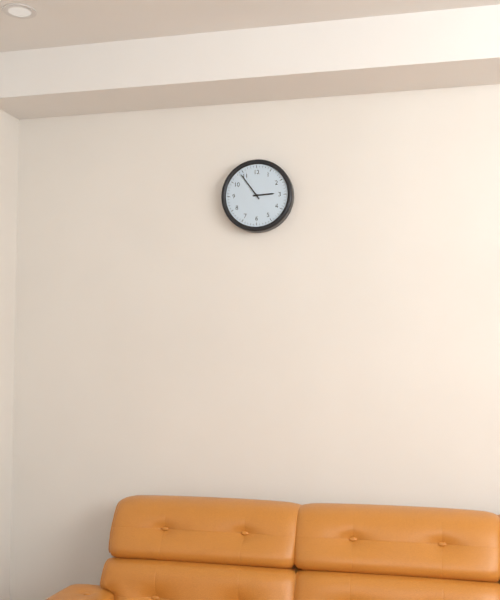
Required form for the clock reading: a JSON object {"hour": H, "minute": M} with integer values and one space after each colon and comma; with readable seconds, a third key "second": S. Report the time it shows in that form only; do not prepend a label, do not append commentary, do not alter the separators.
{"hour": 2, "minute": 54}
